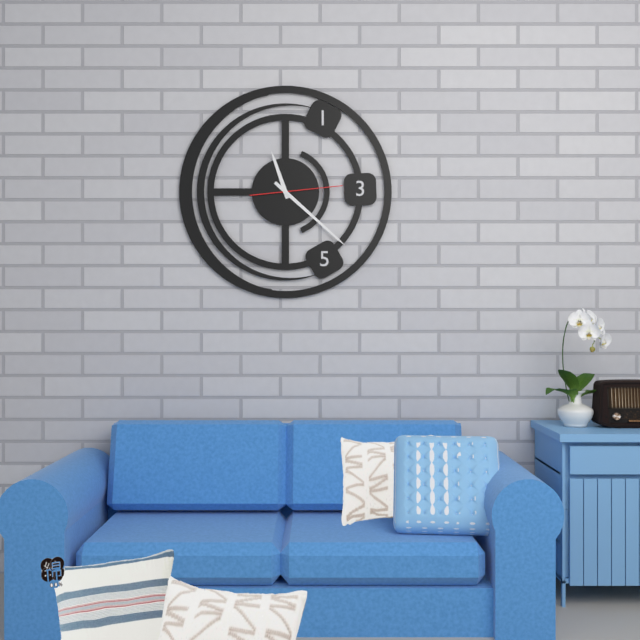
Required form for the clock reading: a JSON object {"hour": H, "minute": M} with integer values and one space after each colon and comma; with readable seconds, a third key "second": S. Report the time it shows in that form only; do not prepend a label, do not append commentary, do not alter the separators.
{"hour": 11, "minute": 22, "second": 14}
